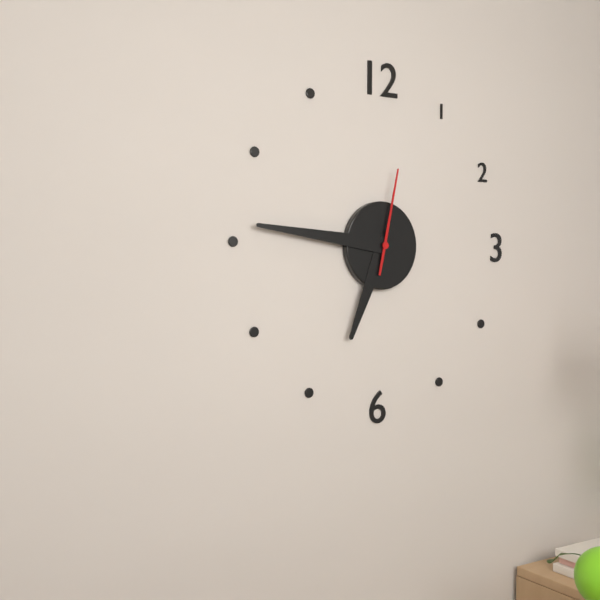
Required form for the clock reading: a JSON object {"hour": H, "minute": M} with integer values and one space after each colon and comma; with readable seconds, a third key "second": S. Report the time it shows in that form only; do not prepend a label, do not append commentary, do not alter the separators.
{"hour": 6, "minute": 46, "second": 2}
